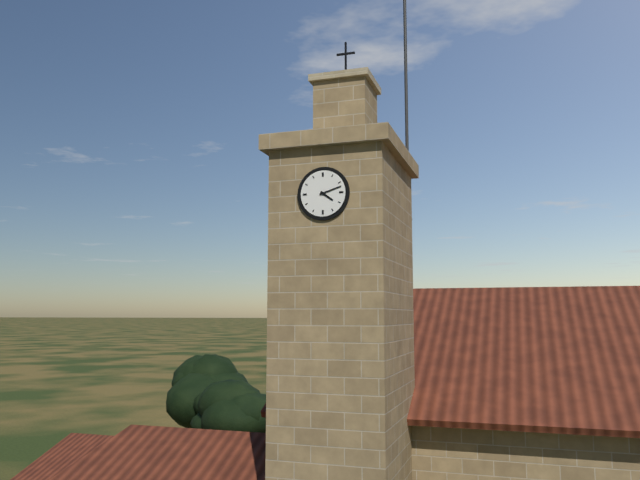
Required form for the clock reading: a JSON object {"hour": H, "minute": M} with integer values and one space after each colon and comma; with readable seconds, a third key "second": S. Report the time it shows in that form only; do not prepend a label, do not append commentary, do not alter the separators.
{"hour": 4, "minute": 12}
